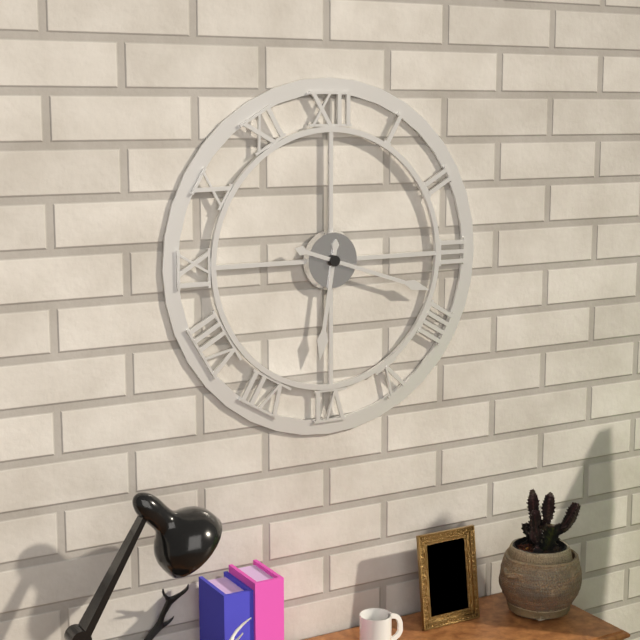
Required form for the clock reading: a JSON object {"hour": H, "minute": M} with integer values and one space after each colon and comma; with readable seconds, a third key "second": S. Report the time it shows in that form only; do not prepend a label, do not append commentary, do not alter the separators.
{"hour": 6, "minute": 18}
